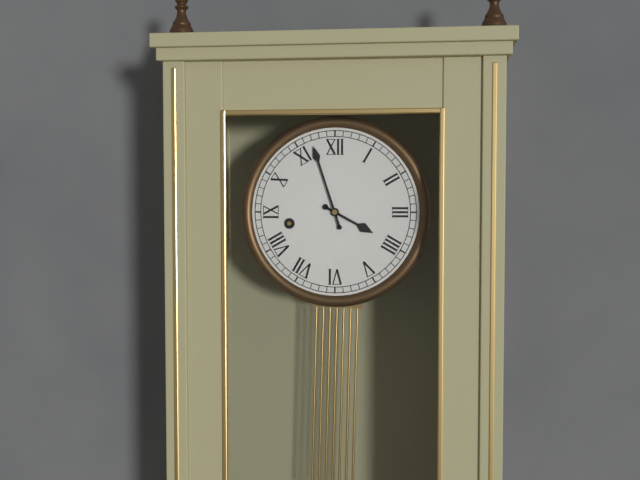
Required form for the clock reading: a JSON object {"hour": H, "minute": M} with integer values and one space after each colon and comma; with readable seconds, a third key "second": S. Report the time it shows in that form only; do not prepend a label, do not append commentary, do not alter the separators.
{"hour": 3, "minute": 57}
